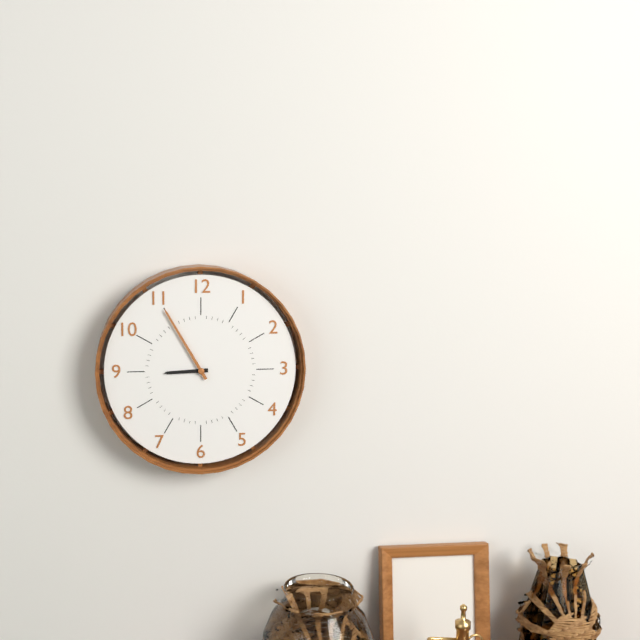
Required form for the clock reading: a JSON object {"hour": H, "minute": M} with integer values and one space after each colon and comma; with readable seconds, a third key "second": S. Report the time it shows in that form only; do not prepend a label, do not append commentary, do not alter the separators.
{"hour": 8, "minute": 55}
